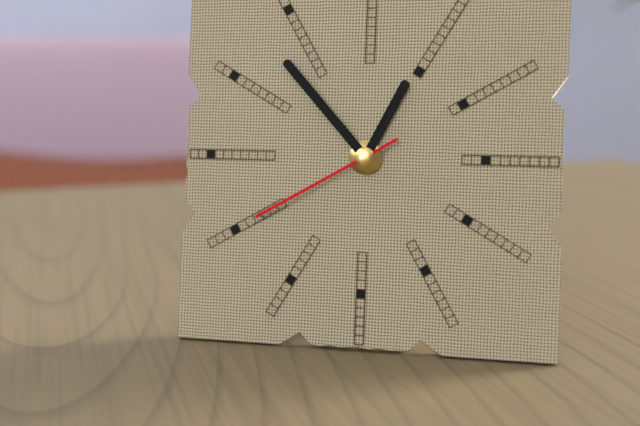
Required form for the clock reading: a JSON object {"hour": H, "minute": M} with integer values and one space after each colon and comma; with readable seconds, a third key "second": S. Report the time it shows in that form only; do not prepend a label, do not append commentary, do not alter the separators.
{"hour": 12, "minute": 53, "second": 40}
